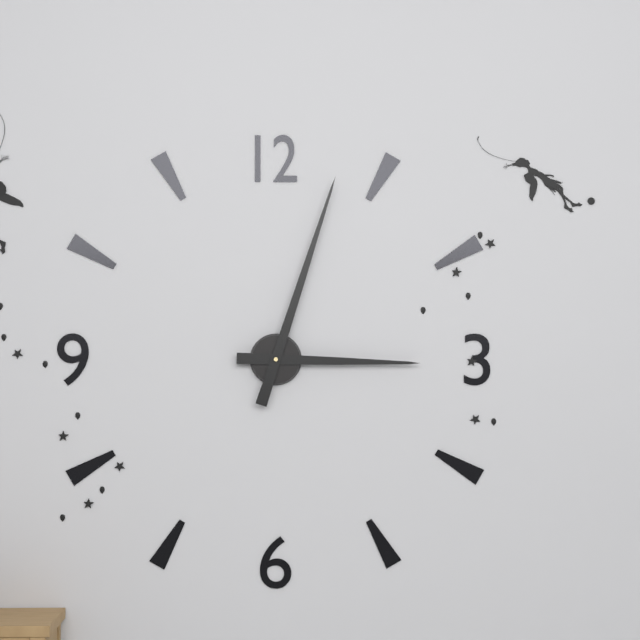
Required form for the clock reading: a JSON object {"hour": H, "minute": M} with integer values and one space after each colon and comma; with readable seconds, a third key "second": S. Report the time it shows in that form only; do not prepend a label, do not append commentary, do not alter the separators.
{"hour": 3, "minute": 3}
